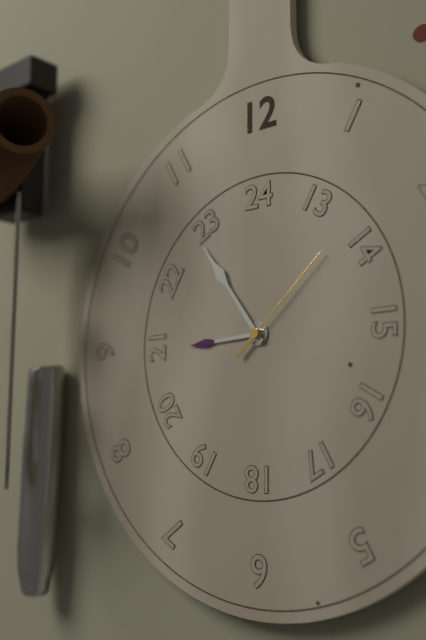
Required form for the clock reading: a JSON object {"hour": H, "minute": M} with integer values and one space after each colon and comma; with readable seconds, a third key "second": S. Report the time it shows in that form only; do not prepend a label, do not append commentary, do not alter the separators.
{"hour": 8, "minute": 54, "second": 8}
